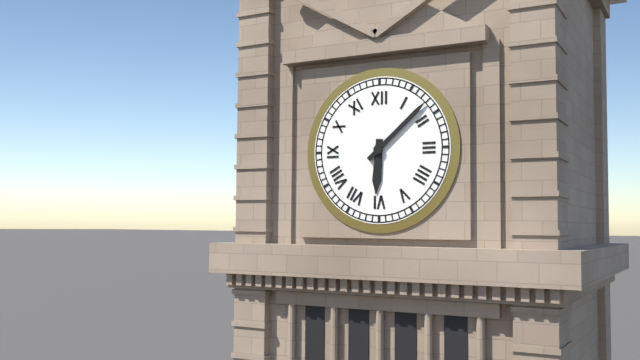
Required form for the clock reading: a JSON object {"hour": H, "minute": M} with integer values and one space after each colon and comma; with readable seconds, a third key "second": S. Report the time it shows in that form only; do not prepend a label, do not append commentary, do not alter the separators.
{"hour": 6, "minute": 8}
